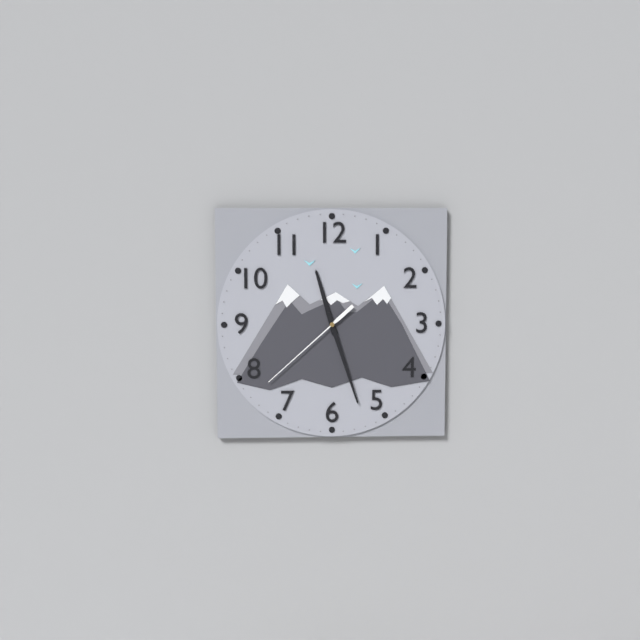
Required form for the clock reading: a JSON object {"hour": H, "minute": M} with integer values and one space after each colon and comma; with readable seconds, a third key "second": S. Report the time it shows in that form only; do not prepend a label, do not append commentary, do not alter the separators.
{"hour": 11, "minute": 27, "second": 38}
